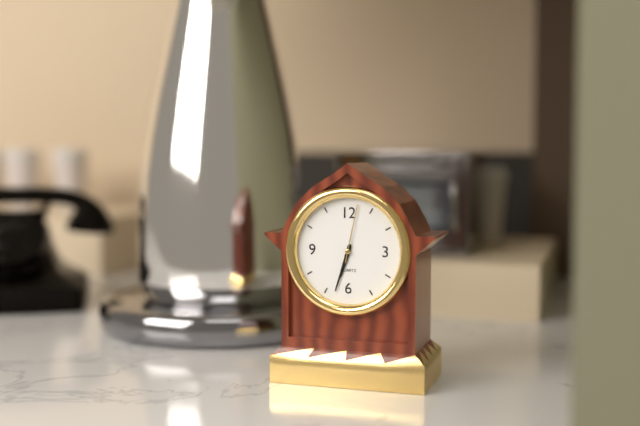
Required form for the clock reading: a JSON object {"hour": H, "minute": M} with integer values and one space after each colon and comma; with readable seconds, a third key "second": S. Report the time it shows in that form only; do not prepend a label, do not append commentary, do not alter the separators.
{"hour": 6, "minute": 33, "second": 2}
